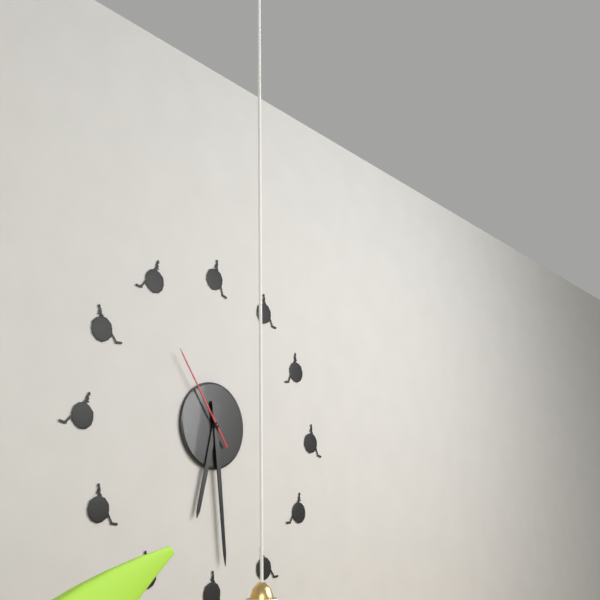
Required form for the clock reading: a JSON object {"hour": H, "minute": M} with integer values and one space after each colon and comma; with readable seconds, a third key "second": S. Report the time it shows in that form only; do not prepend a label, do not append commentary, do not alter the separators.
{"hour": 6, "minute": 29, "second": 54}
